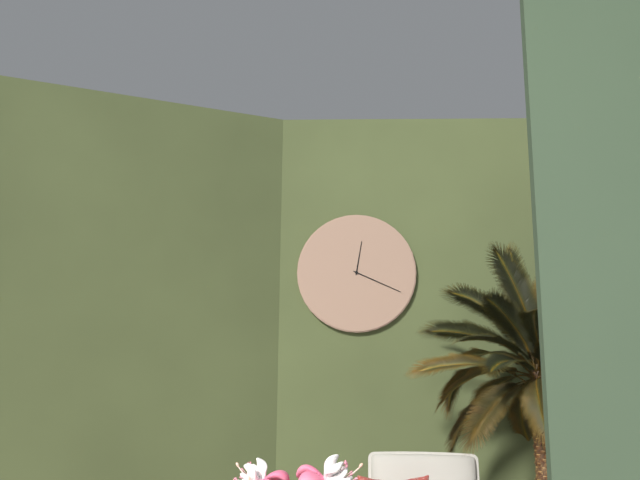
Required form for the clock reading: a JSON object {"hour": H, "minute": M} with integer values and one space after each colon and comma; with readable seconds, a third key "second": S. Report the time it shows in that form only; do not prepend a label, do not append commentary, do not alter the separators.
{"hour": 12, "minute": 19}
